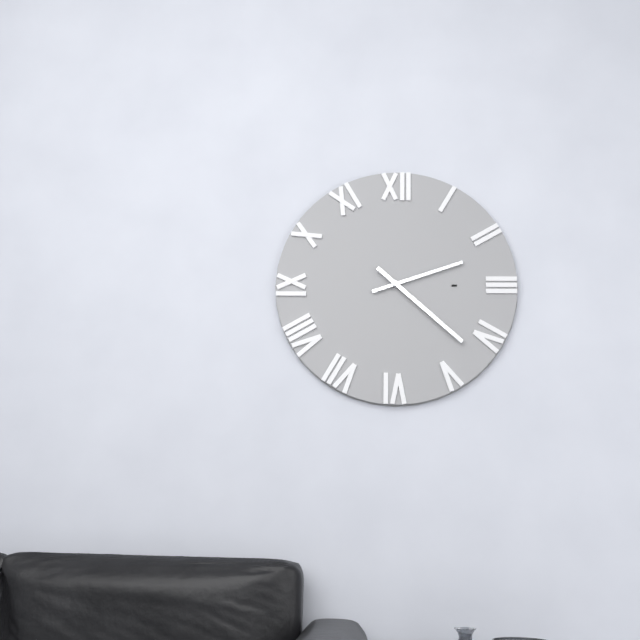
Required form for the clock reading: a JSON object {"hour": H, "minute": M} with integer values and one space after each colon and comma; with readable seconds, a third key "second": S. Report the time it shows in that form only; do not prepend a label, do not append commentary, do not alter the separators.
{"hour": 2, "minute": 22}
